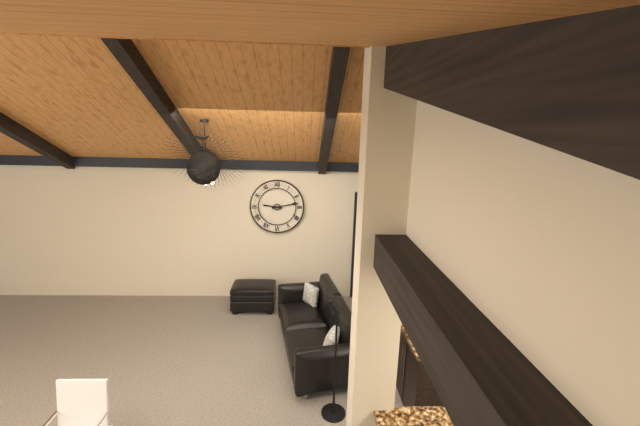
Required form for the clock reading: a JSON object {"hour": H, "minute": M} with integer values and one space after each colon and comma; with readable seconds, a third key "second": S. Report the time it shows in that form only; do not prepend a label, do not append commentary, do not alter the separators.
{"hour": 9, "minute": 13}
